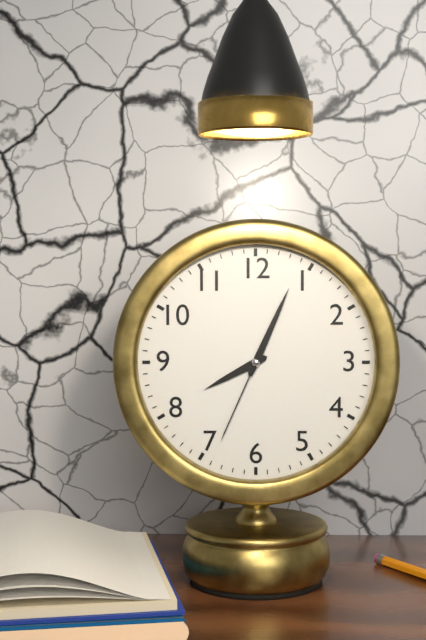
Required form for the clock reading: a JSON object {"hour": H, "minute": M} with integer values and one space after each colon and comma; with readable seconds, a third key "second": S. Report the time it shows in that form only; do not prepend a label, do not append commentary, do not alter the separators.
{"hour": 8, "minute": 4, "second": 34}
